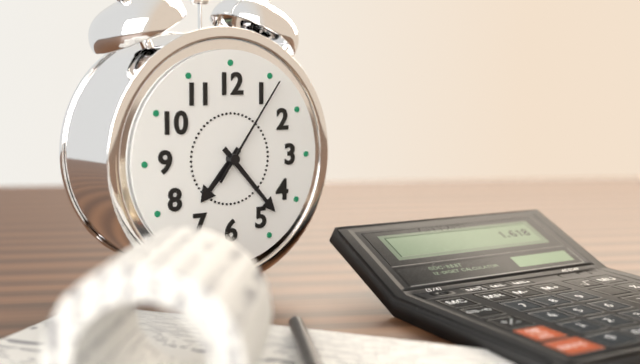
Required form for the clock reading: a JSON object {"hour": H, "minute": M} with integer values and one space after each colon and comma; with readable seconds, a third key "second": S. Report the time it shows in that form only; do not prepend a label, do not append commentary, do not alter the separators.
{"hour": 7, "minute": 23, "second": 6}
